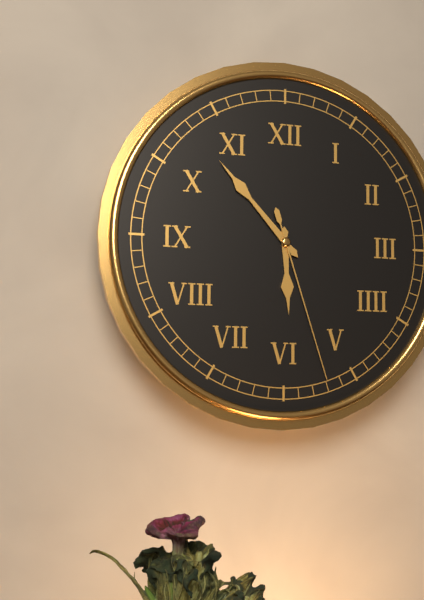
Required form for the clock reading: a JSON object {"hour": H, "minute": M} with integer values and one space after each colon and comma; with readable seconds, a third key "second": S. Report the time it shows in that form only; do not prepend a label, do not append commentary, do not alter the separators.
{"hour": 5, "minute": 53, "second": 27}
